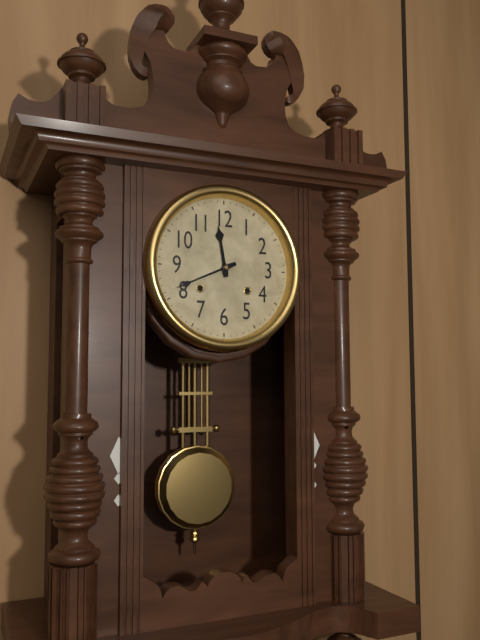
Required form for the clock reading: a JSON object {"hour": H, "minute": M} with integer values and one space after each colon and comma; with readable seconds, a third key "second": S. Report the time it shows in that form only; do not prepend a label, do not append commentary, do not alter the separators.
{"hour": 11, "minute": 41}
